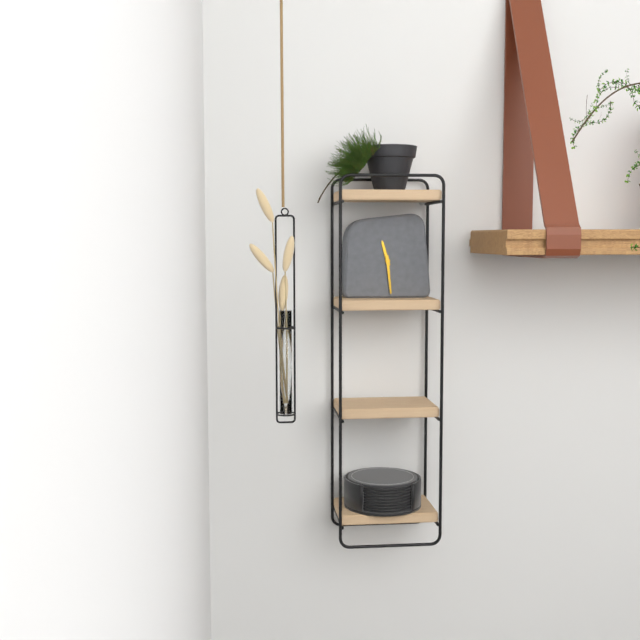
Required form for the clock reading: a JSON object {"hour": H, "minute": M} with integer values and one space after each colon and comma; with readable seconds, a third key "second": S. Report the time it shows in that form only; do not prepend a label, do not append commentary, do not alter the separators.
{"hour": 11, "minute": 29}
